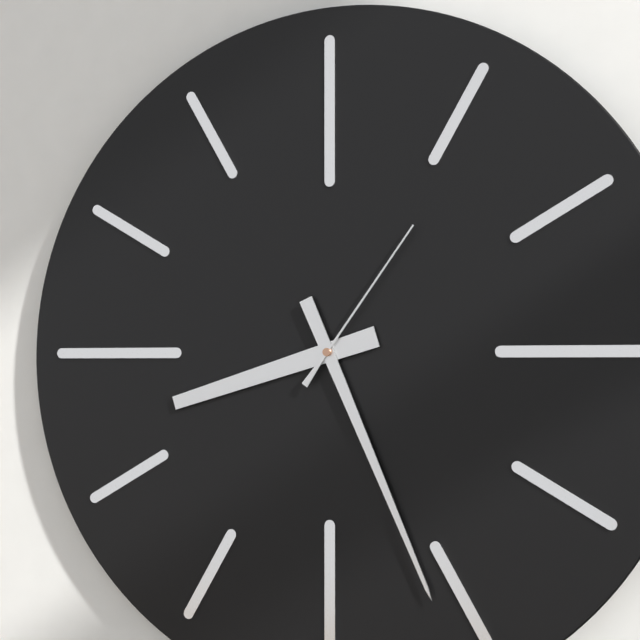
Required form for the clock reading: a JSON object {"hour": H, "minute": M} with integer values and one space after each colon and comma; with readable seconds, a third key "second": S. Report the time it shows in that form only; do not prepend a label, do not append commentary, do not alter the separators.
{"hour": 8, "minute": 26, "second": 6}
